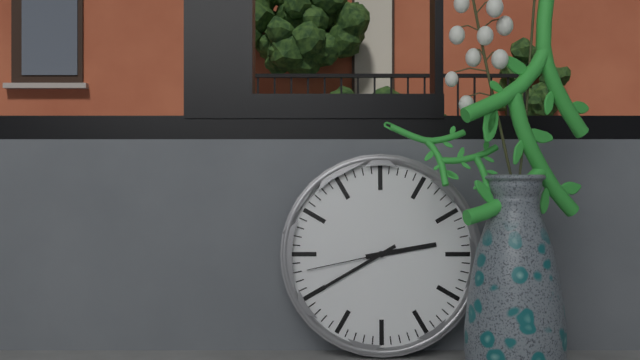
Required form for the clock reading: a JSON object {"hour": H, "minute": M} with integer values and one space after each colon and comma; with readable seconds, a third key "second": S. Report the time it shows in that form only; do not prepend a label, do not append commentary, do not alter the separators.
{"hour": 2, "minute": 40, "second": 43}
